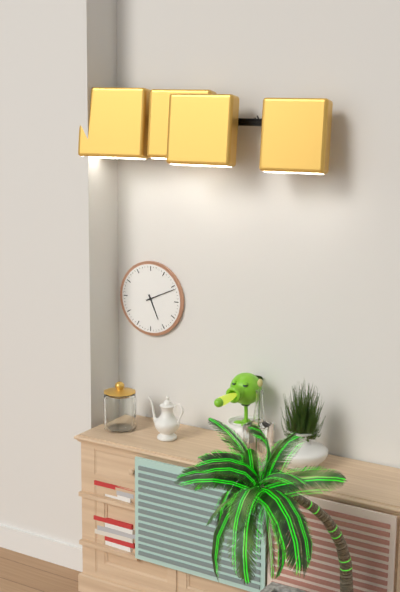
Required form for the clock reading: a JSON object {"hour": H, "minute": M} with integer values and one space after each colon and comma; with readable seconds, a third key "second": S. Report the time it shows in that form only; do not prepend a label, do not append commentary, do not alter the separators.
{"hour": 5, "minute": 11}
